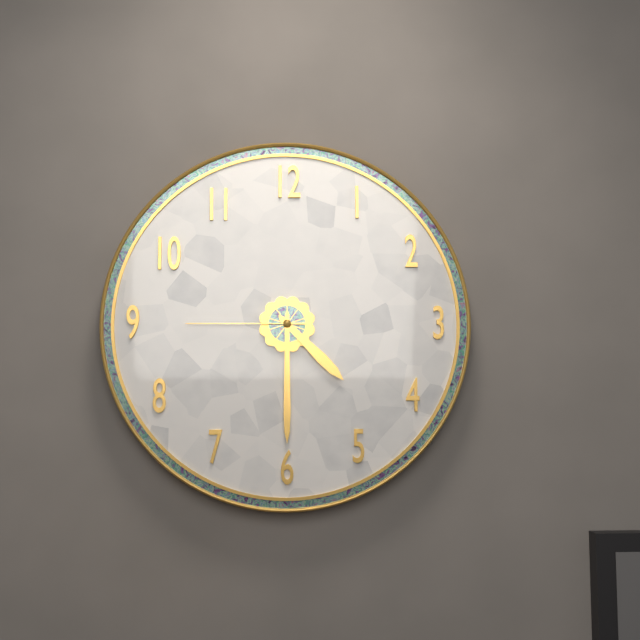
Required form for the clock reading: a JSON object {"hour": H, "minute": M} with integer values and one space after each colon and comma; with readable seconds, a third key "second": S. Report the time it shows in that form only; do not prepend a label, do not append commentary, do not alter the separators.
{"hour": 4, "minute": 30, "second": 45}
